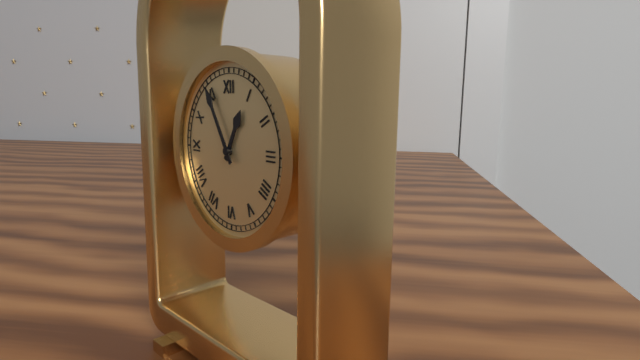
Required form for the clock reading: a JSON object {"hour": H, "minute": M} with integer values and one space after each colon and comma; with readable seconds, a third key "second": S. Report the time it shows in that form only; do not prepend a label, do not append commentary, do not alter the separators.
{"hour": 12, "minute": 55}
